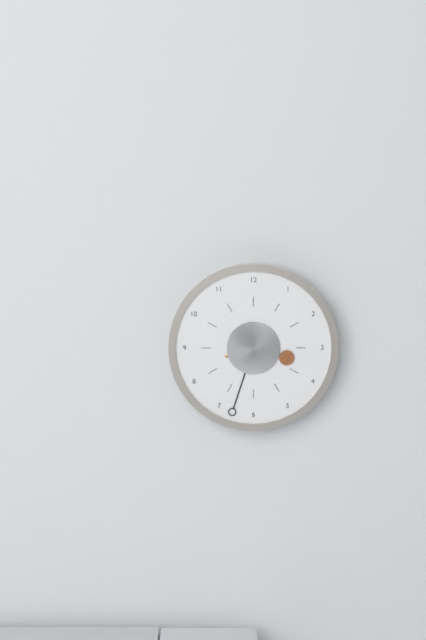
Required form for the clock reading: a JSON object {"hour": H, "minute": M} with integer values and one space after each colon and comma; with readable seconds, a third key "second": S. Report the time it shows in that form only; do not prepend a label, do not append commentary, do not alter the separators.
{"hour": 3, "minute": 33}
